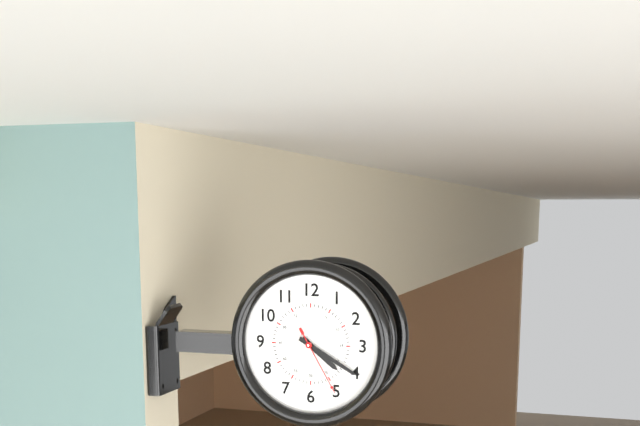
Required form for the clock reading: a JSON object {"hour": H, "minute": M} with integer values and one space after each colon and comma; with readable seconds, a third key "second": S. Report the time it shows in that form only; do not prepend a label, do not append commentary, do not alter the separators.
{"hour": 4, "minute": 20, "second": 25}
